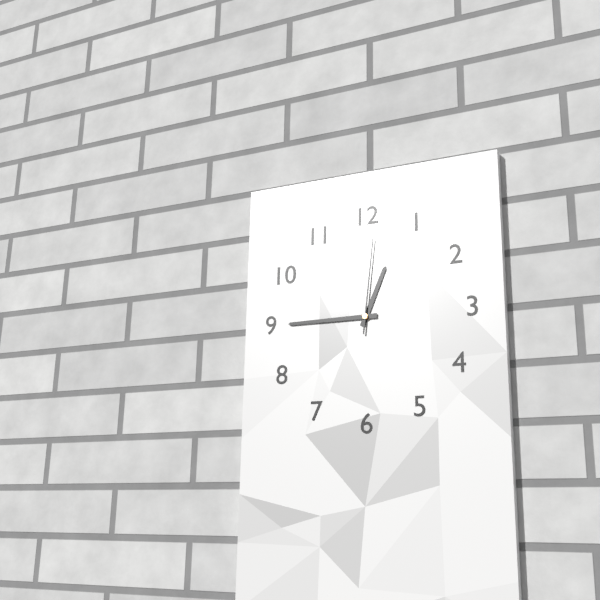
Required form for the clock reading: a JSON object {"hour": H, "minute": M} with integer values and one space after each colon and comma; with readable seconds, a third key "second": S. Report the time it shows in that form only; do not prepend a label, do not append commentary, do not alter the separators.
{"hour": 12, "minute": 45, "second": 1}
